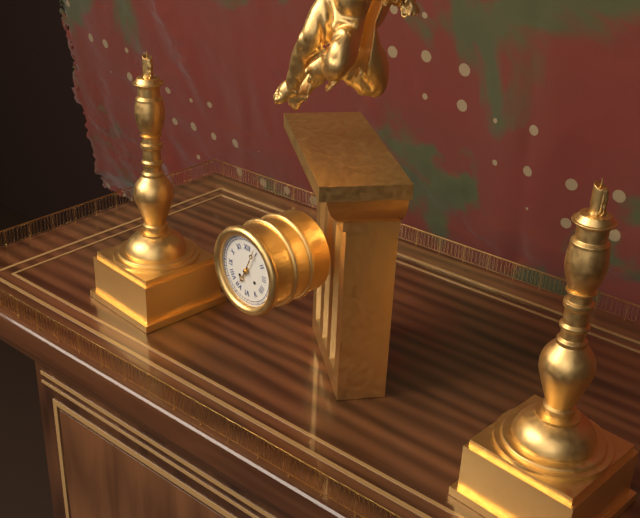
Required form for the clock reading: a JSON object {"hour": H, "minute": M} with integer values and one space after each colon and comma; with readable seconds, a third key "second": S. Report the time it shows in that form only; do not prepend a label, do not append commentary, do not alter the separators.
{"hour": 7, "minute": 4}
